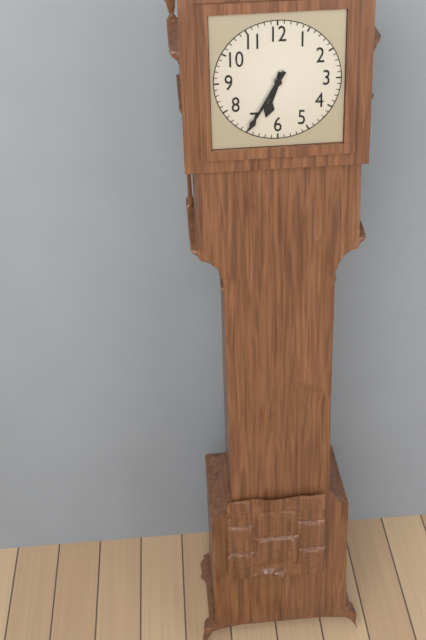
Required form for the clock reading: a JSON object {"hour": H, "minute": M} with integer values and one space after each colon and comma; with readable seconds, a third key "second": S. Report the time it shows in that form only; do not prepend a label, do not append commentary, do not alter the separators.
{"hour": 6, "minute": 35}
